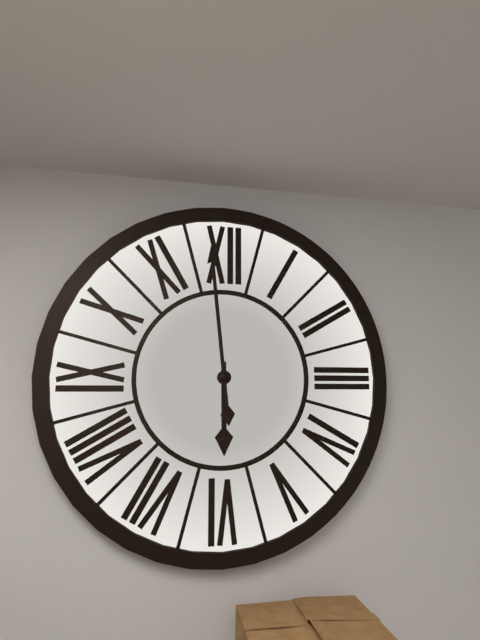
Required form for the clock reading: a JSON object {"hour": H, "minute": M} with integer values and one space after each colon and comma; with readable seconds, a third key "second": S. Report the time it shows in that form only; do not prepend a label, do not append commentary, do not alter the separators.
{"hour": 5, "minute": 59}
